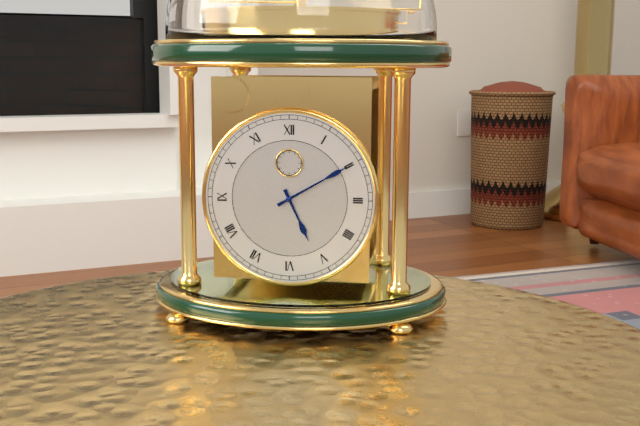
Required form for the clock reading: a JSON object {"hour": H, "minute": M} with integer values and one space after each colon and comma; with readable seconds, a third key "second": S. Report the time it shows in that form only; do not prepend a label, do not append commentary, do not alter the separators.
{"hour": 5, "minute": 10}
